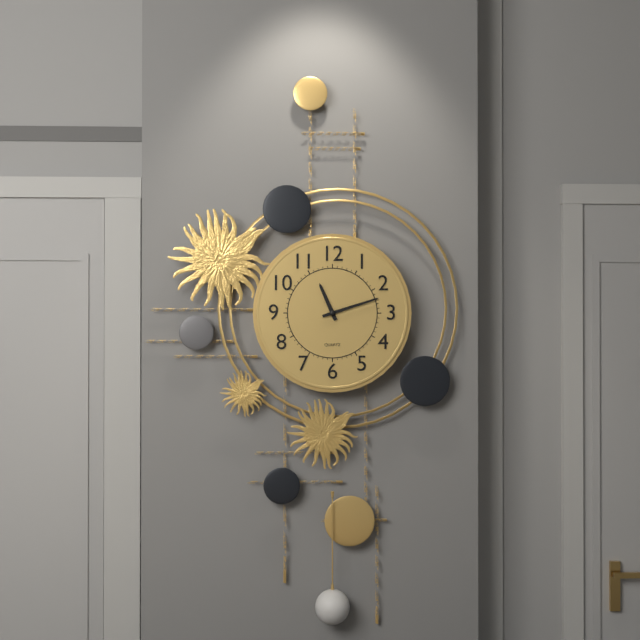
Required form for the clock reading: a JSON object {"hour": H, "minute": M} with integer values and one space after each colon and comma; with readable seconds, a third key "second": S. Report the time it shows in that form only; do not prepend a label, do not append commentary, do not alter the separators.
{"hour": 11, "minute": 12}
